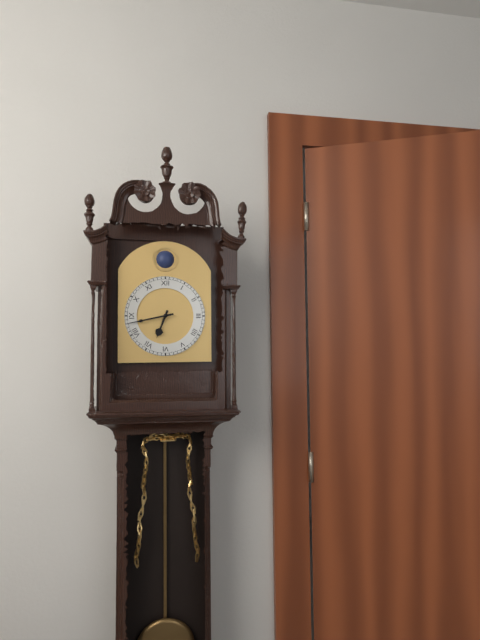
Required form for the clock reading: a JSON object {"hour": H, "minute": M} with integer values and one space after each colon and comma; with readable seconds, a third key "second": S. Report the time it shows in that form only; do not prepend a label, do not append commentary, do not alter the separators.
{"hour": 6, "minute": 43}
